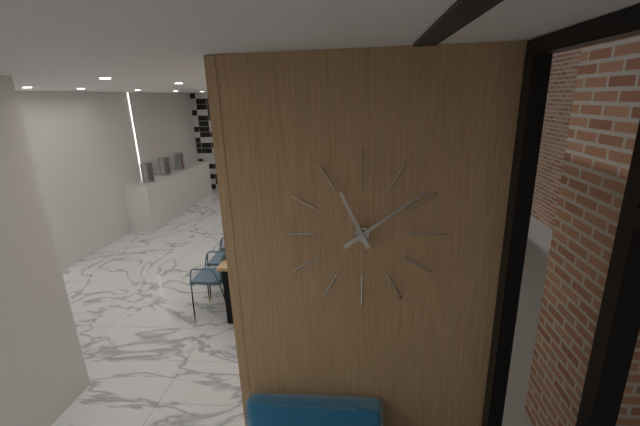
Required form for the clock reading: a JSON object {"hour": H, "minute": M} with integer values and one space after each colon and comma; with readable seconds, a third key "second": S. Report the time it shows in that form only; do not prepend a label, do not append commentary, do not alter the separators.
{"hour": 11, "minute": 9}
